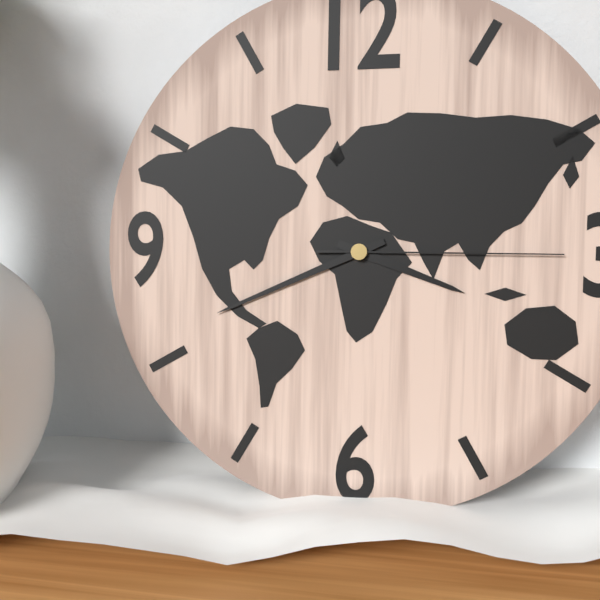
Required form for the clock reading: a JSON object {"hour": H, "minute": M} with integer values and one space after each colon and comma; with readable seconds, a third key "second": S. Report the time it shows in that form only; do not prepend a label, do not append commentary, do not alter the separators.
{"hour": 3, "minute": 41, "second": 15}
